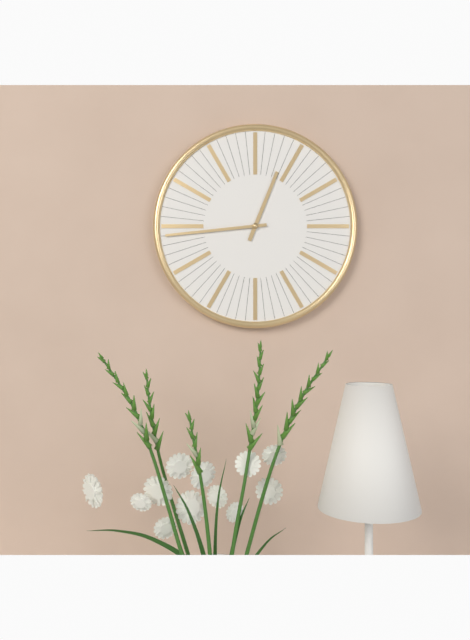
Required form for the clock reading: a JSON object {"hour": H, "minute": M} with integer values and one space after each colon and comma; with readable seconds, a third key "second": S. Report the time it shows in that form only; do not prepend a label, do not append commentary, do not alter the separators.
{"hour": 12, "minute": 44}
